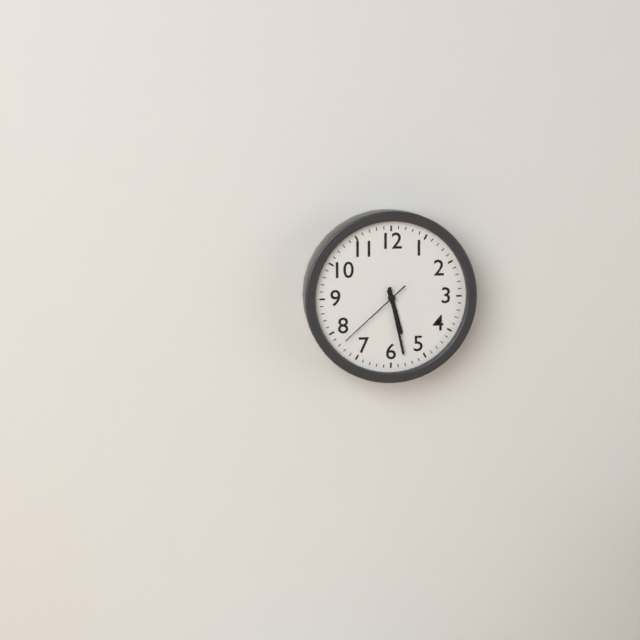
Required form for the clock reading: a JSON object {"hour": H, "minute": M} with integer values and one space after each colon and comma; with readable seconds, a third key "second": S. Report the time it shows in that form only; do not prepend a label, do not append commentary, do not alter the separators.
{"hour": 5, "minute": 28, "second": 38}
